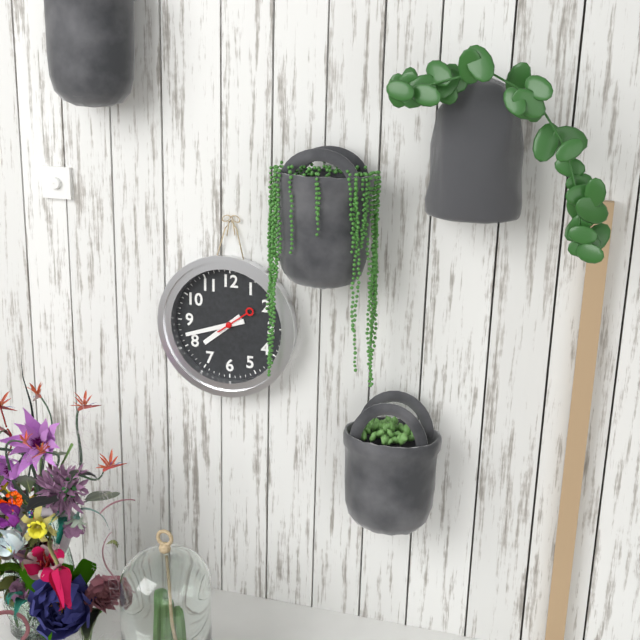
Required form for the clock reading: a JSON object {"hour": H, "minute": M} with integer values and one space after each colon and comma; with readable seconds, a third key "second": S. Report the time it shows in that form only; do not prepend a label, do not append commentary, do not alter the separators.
{"hour": 7, "minute": 42}
